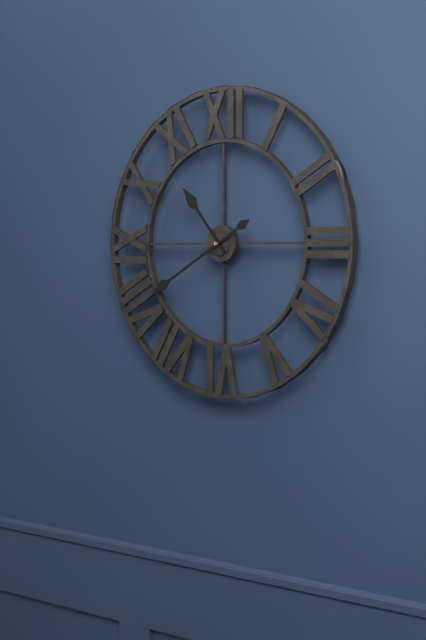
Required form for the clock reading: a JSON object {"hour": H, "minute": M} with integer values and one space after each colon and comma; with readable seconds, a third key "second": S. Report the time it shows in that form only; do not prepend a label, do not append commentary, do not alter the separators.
{"hour": 10, "minute": 40}
